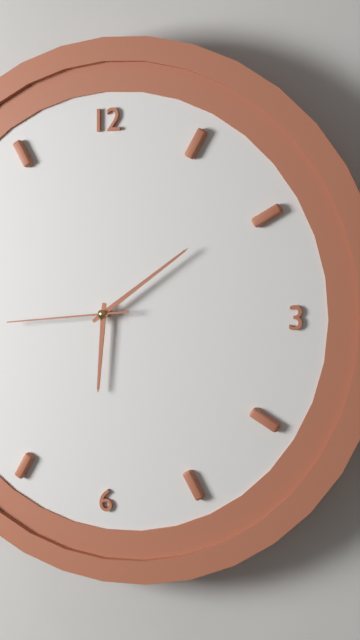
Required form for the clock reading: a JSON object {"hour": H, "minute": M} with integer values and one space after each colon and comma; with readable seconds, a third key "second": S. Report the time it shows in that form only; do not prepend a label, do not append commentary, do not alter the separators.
{"hour": 6, "minute": 9, "second": 44}
